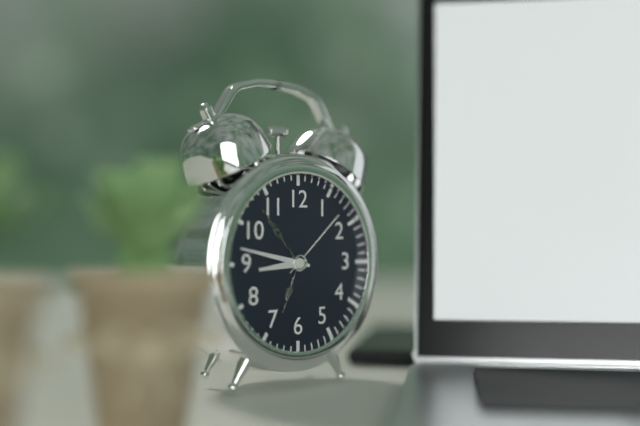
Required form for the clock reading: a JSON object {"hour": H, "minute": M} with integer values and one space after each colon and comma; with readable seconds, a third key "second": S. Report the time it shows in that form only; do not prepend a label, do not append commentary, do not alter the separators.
{"hour": 8, "minute": 47}
